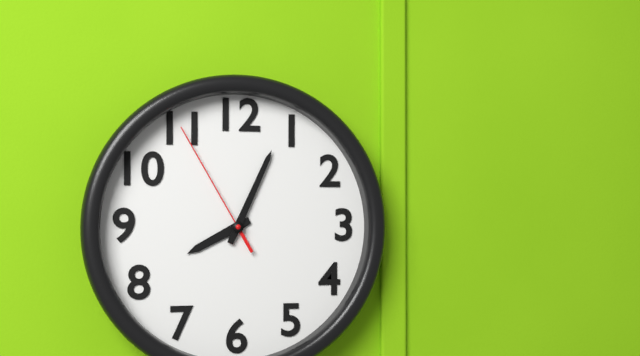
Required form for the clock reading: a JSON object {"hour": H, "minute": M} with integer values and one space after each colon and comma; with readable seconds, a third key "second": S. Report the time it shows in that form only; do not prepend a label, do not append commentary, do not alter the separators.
{"hour": 8, "minute": 4, "second": 55}
